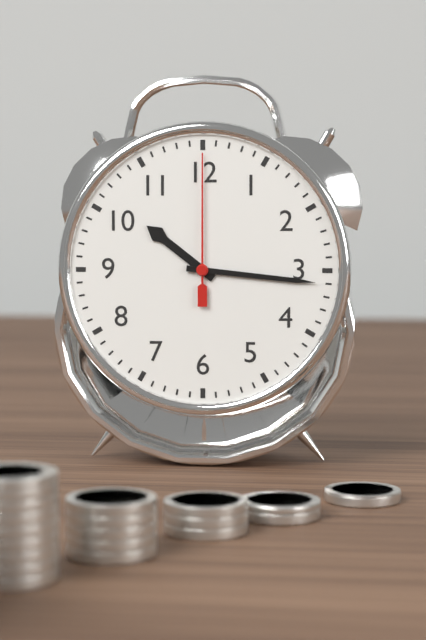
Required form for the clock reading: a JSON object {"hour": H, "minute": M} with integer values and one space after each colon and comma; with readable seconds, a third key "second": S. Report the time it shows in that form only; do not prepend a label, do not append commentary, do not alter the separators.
{"hour": 10, "minute": 16, "second": 0}
